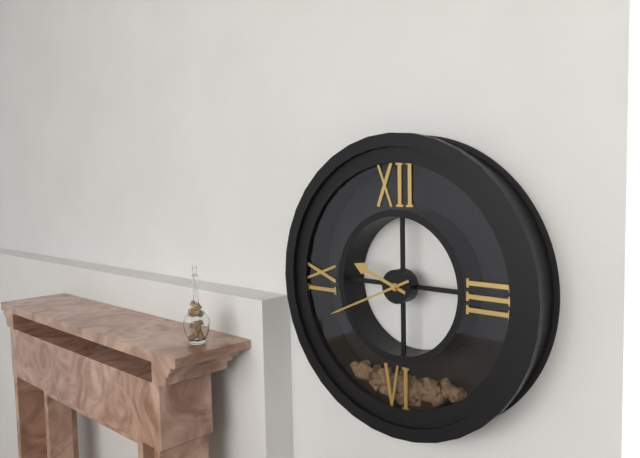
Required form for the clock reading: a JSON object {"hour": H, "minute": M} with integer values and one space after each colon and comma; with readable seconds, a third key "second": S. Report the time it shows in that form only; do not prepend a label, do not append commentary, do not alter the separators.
{"hour": 9, "minute": 41}
